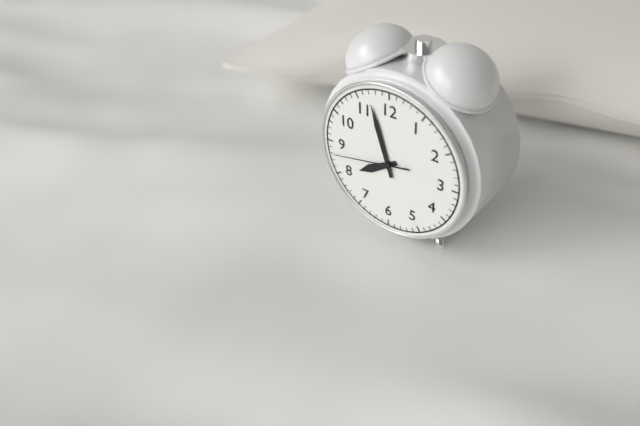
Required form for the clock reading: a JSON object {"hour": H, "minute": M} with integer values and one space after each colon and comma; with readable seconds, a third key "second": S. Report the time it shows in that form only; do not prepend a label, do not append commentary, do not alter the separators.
{"hour": 7, "minute": 57, "second": 43}
